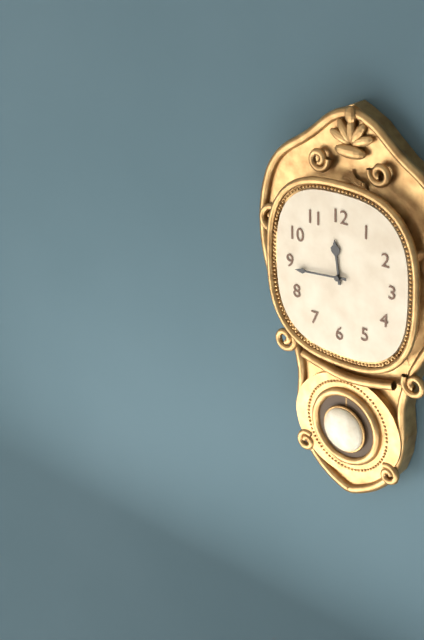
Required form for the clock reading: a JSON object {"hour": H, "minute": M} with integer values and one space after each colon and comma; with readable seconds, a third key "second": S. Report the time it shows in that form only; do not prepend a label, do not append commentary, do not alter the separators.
{"hour": 11, "minute": 44}
